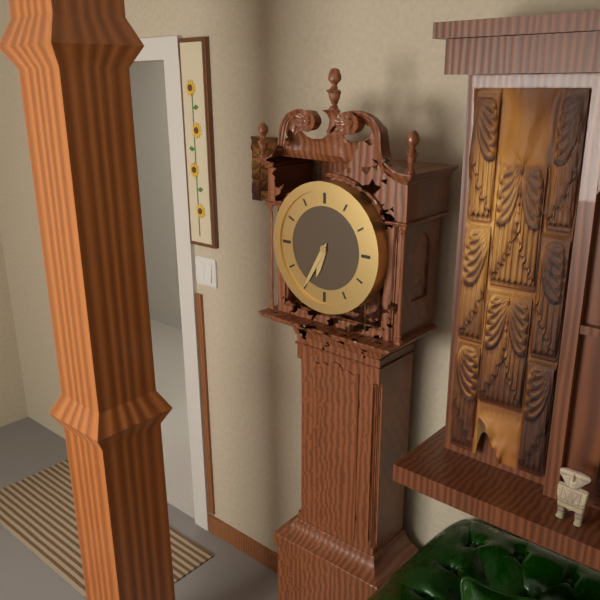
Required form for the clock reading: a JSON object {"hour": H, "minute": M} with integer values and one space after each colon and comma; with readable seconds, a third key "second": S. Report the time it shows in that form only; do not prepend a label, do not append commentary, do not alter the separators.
{"hour": 6, "minute": 35}
